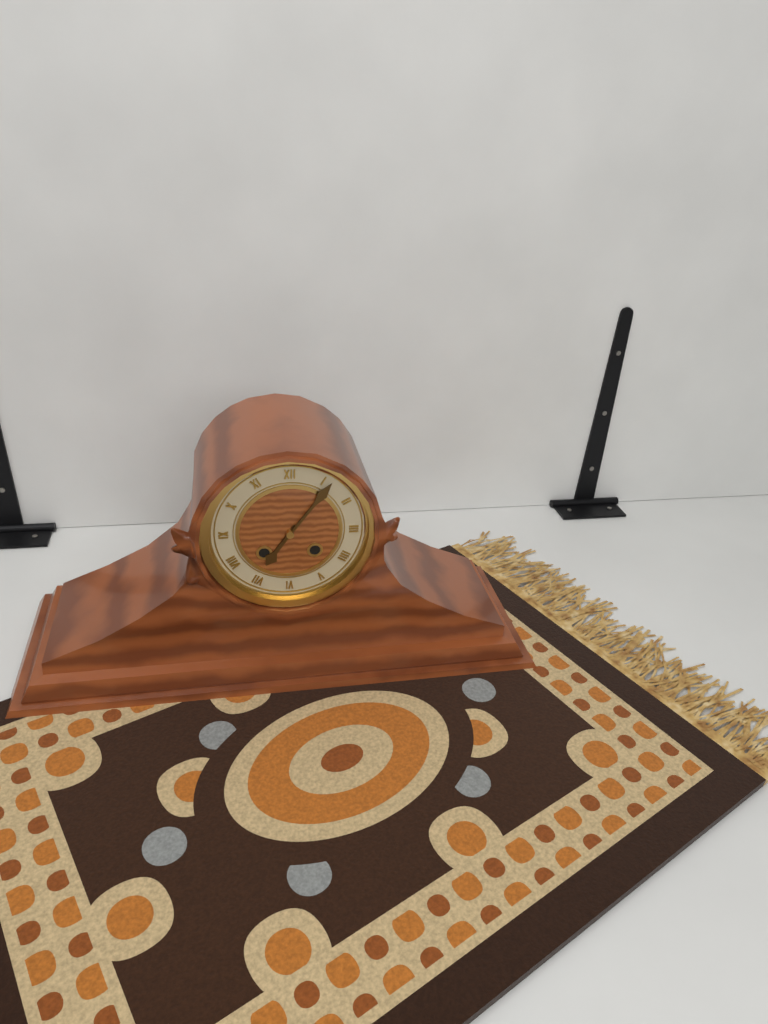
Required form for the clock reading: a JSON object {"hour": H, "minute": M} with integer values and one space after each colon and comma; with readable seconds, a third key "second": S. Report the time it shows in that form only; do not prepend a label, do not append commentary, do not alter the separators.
{"hour": 7, "minute": 6}
